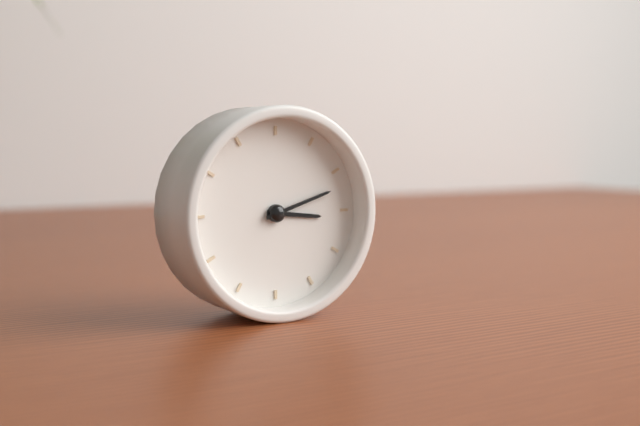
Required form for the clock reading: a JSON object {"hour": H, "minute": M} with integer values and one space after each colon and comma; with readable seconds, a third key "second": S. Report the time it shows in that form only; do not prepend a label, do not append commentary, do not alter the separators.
{"hour": 3, "minute": 12}
